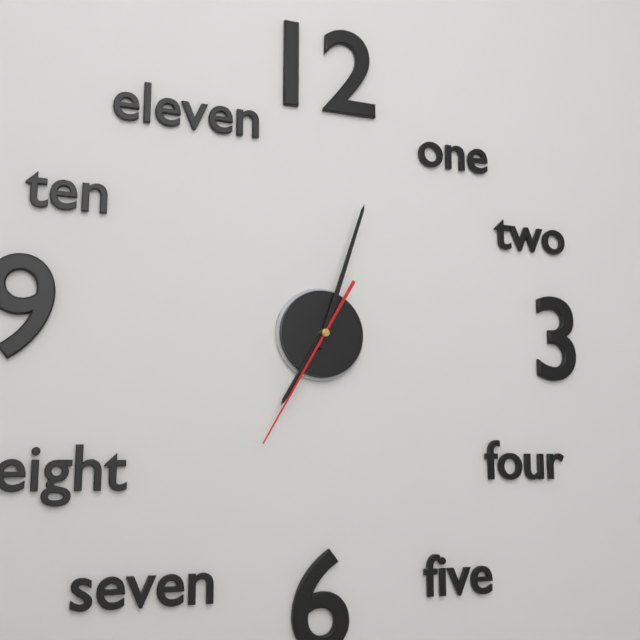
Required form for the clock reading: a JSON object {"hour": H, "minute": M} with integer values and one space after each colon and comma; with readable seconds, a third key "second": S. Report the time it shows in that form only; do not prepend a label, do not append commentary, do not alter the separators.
{"hour": 7, "minute": 3, "second": 35}
